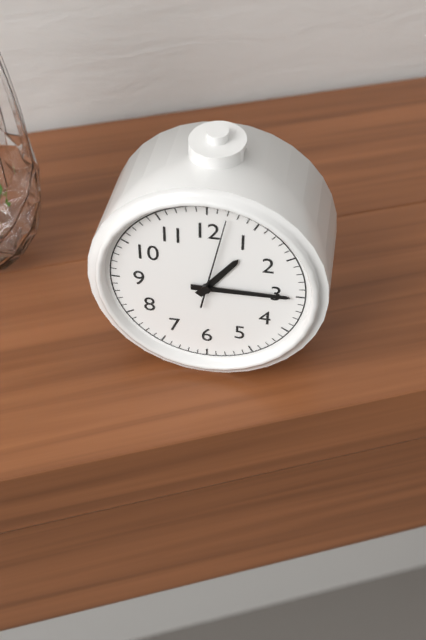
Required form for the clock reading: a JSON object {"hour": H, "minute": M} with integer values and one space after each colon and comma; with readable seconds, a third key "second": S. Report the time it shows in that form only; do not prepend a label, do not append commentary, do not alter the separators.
{"hour": 1, "minute": 15, "second": 2}
